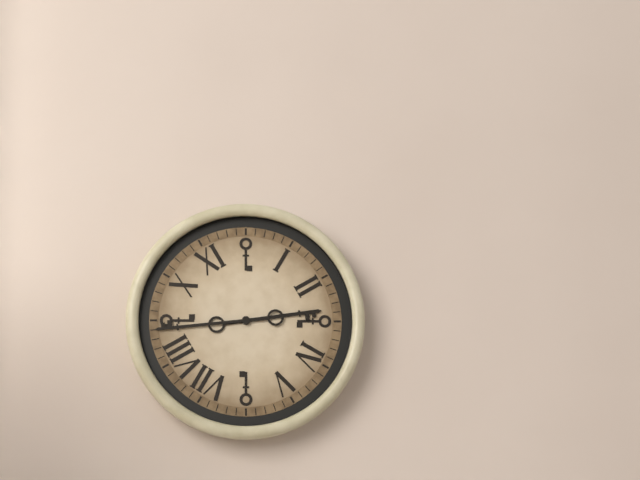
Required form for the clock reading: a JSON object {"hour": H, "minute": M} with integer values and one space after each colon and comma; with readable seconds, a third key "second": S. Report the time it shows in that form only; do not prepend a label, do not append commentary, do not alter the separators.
{"hour": 2, "minute": 44}
